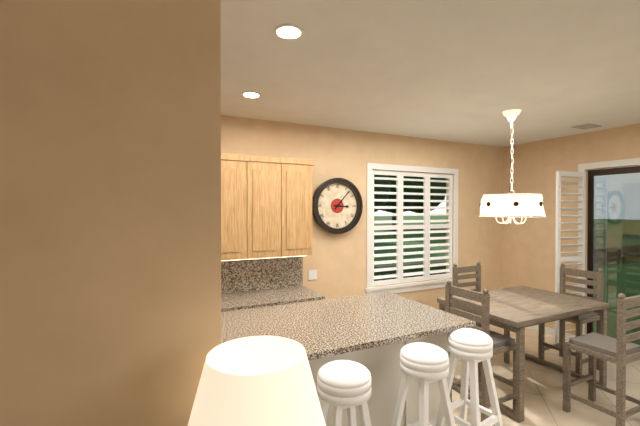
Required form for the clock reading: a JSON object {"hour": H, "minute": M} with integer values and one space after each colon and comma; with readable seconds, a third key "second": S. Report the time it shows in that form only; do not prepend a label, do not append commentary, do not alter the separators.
{"hour": 3, "minute": 7}
